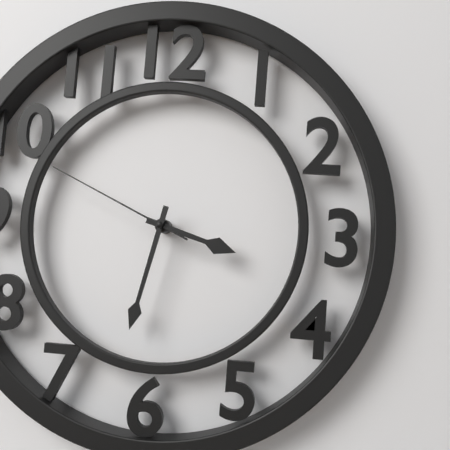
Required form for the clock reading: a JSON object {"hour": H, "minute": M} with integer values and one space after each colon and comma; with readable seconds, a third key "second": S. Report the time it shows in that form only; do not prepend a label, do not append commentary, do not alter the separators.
{"hour": 3, "minute": 32, "second": 49}
